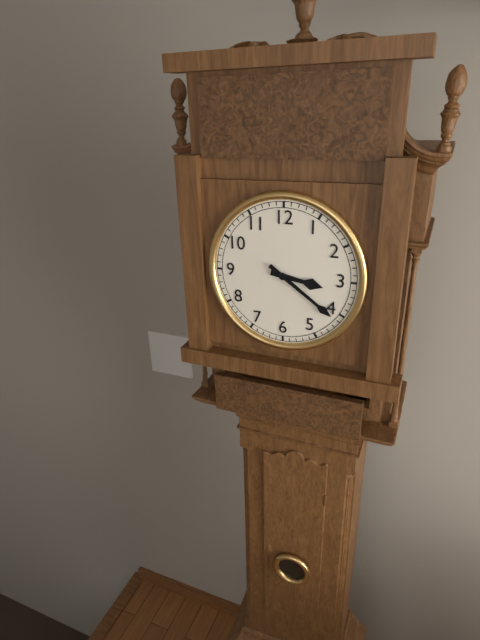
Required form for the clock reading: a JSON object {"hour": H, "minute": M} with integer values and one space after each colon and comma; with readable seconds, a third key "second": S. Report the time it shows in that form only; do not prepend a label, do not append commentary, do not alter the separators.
{"hour": 3, "minute": 21}
